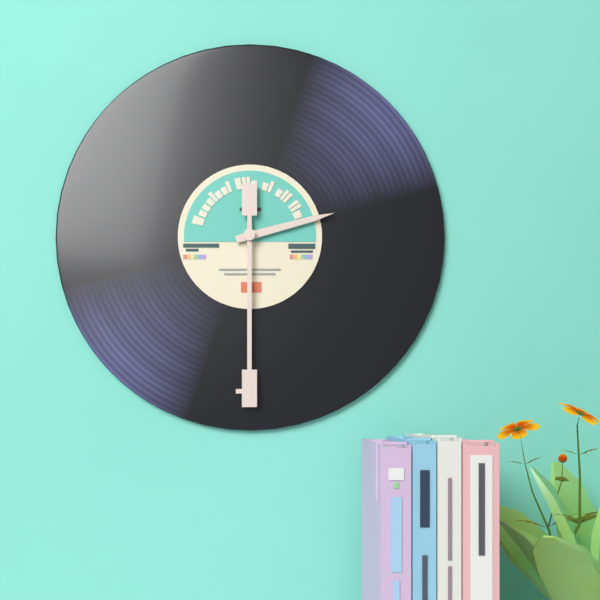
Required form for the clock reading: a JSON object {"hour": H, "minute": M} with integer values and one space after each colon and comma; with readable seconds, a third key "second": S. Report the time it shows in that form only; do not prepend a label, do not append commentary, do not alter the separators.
{"hour": 2, "minute": 30}
